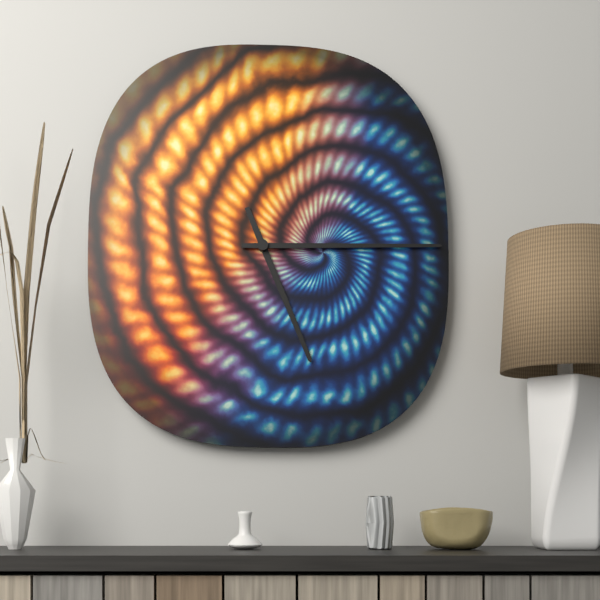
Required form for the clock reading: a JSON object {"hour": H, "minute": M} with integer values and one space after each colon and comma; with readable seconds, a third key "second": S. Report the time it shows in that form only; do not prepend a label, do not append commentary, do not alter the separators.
{"hour": 5, "minute": 15}
